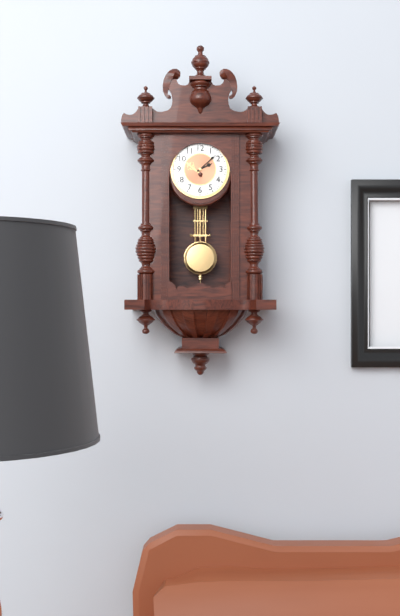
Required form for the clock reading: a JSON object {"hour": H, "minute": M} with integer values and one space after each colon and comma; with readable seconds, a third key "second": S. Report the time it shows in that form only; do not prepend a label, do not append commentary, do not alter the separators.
{"hour": 2, "minute": 8}
